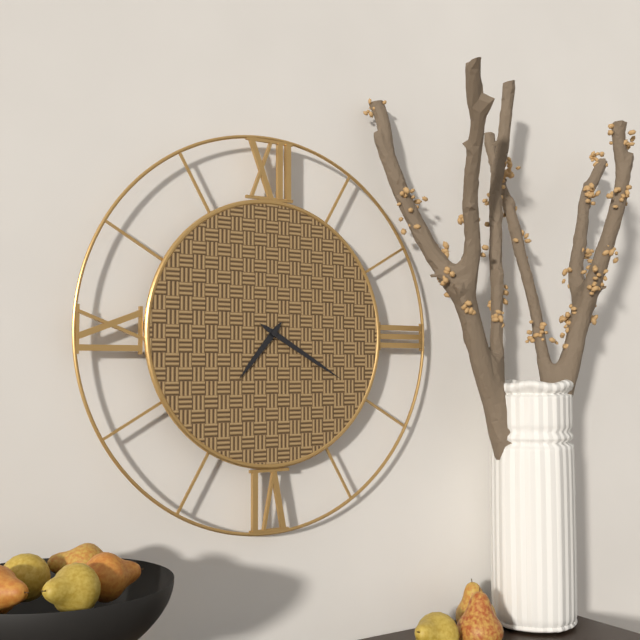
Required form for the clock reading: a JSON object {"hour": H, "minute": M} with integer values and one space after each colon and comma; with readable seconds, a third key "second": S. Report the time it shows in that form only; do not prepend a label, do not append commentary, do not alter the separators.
{"hour": 7, "minute": 20}
